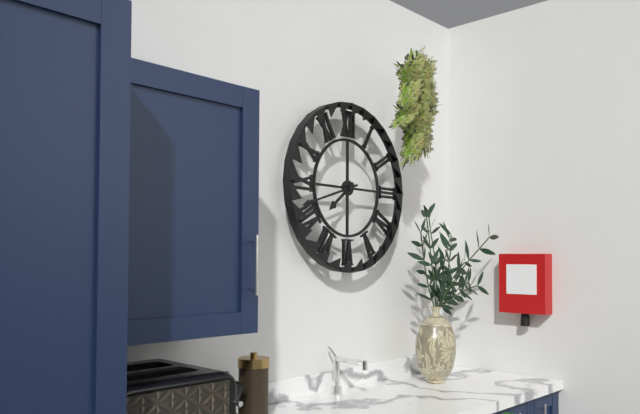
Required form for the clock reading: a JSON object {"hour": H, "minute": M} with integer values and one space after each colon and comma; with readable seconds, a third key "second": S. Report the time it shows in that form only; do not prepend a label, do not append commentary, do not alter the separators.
{"hour": 7, "minute": 42}
